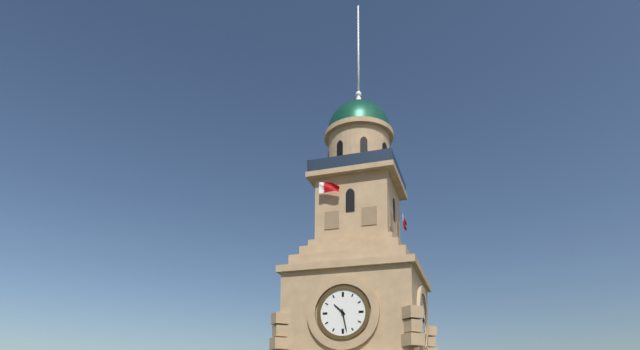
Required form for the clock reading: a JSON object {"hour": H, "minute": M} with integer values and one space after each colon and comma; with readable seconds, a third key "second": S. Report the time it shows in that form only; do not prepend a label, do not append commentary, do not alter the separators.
{"hour": 10, "minute": 28}
